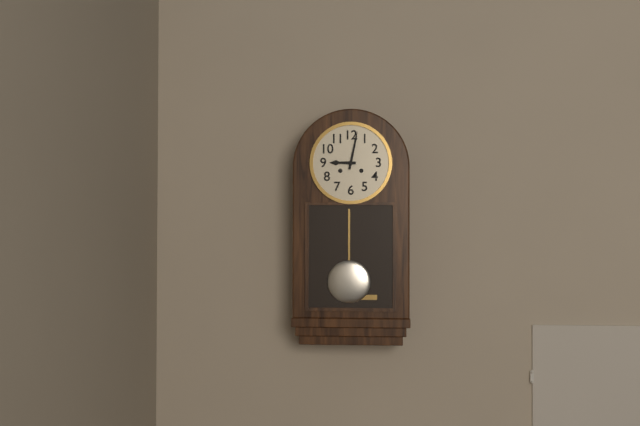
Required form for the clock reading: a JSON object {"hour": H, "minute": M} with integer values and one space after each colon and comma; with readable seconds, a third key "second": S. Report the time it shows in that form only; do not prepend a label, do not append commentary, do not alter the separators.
{"hour": 9, "minute": 2}
